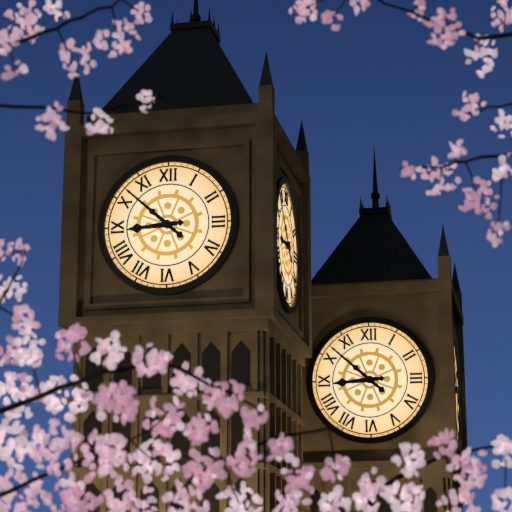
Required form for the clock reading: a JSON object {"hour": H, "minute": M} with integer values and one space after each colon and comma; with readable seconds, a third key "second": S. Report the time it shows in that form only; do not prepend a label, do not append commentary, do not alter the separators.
{"hour": 8, "minute": 52}
